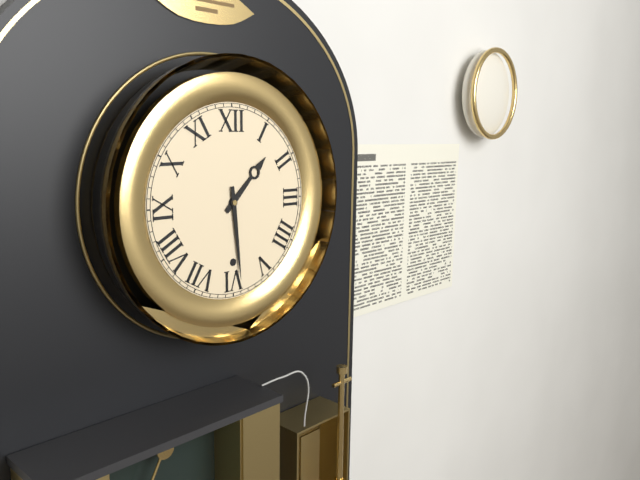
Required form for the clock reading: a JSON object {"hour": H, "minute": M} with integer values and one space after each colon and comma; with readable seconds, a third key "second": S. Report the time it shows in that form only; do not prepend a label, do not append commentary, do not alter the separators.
{"hour": 1, "minute": 29}
